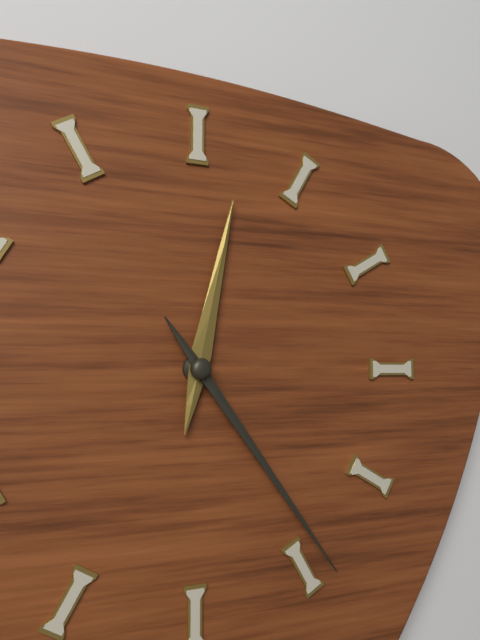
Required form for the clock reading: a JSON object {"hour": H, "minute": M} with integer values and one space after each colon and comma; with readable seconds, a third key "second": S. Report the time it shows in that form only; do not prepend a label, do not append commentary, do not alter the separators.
{"hour": 12, "minute": 24}
